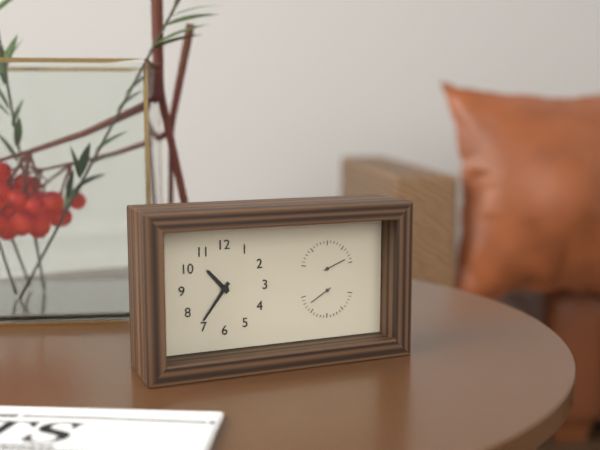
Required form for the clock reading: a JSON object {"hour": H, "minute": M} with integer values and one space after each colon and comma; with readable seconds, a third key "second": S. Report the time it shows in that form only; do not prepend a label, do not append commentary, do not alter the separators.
{"hour": 10, "minute": 36}
